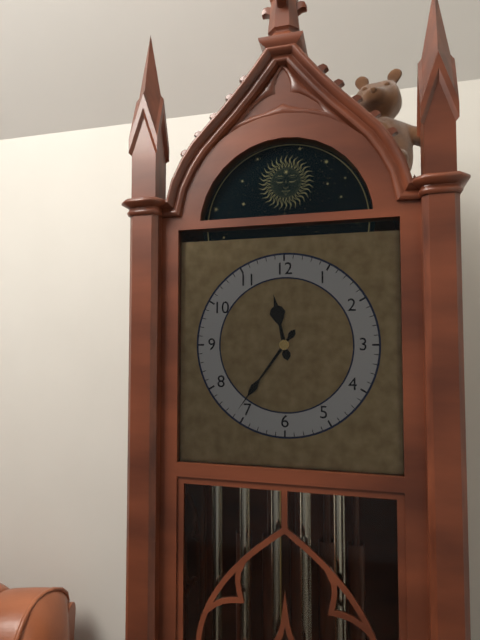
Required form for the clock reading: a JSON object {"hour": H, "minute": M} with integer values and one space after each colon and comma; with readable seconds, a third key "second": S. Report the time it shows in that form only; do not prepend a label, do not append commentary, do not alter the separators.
{"hour": 11, "minute": 36}
